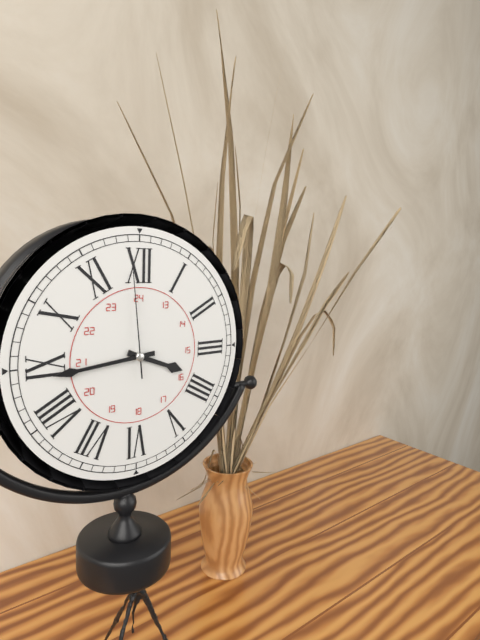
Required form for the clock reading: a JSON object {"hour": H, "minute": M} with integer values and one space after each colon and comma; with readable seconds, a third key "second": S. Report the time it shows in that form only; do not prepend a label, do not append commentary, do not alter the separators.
{"hour": 3, "minute": 44, "second": 59}
